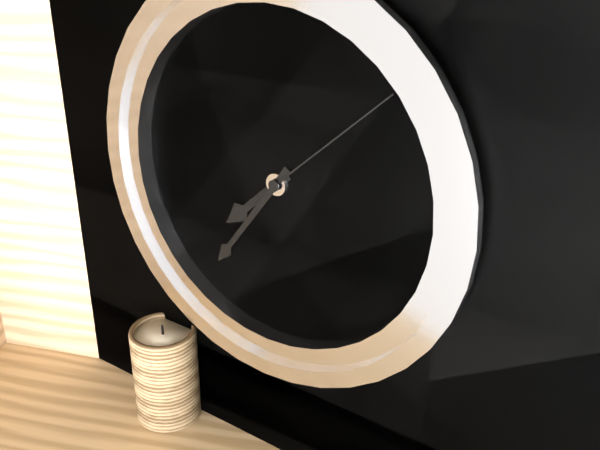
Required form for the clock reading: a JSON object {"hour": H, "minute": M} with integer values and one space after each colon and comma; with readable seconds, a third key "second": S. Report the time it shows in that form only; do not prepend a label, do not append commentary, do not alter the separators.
{"hour": 7, "minute": 36, "second": 8}
